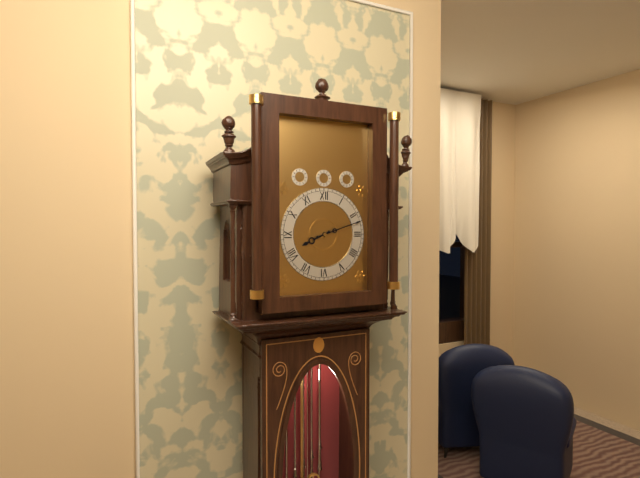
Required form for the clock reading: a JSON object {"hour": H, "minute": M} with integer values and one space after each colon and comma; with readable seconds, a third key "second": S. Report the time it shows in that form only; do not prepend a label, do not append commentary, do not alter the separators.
{"hour": 8, "minute": 12}
